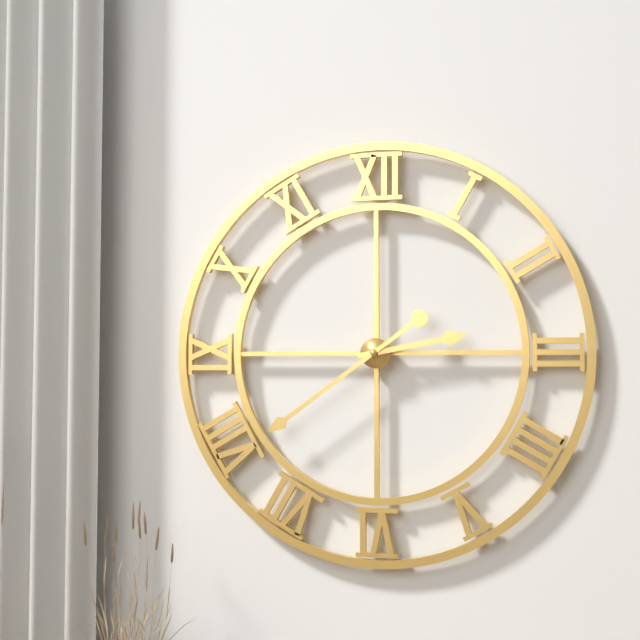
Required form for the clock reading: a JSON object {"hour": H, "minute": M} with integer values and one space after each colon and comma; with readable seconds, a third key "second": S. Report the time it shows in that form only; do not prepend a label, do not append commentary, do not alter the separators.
{"hour": 2, "minute": 39}
